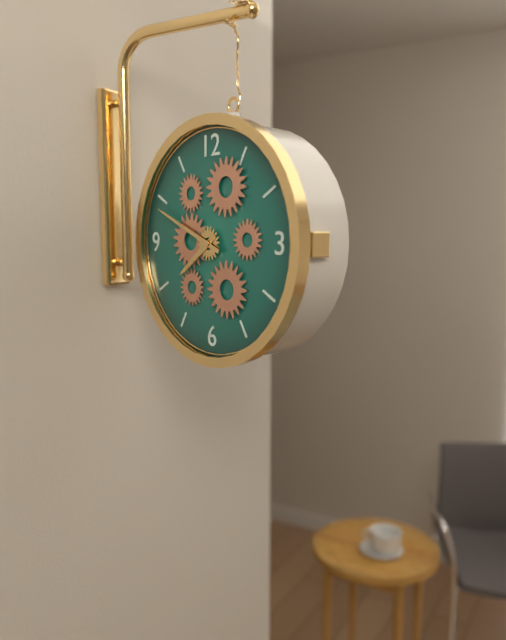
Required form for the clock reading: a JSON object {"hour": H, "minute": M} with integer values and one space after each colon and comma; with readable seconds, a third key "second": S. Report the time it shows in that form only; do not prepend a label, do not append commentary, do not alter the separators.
{"hour": 7, "minute": 49}
